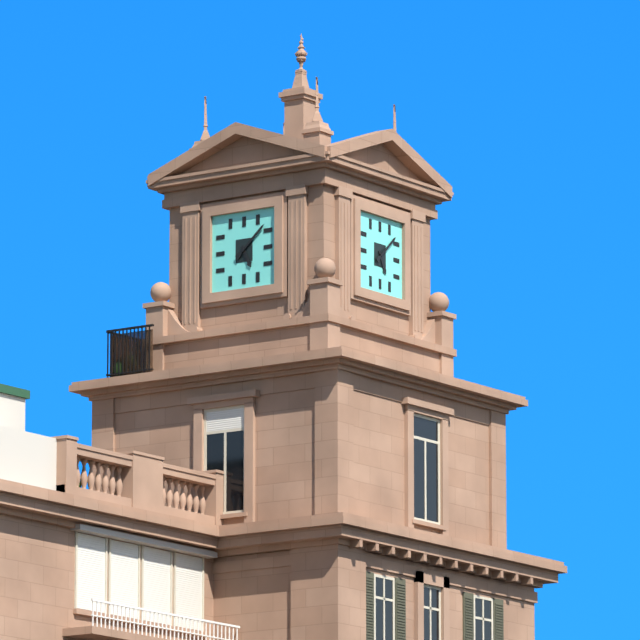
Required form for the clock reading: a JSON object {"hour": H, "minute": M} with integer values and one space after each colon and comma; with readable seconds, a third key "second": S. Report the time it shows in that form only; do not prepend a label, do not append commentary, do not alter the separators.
{"hour": 5, "minute": 8}
